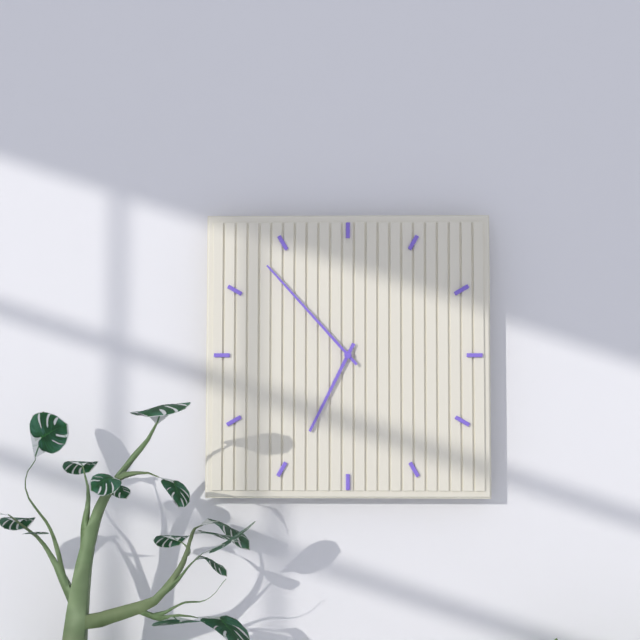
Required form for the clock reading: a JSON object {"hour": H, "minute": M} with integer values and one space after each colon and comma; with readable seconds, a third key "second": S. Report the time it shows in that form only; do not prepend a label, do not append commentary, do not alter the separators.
{"hour": 6, "minute": 53}
